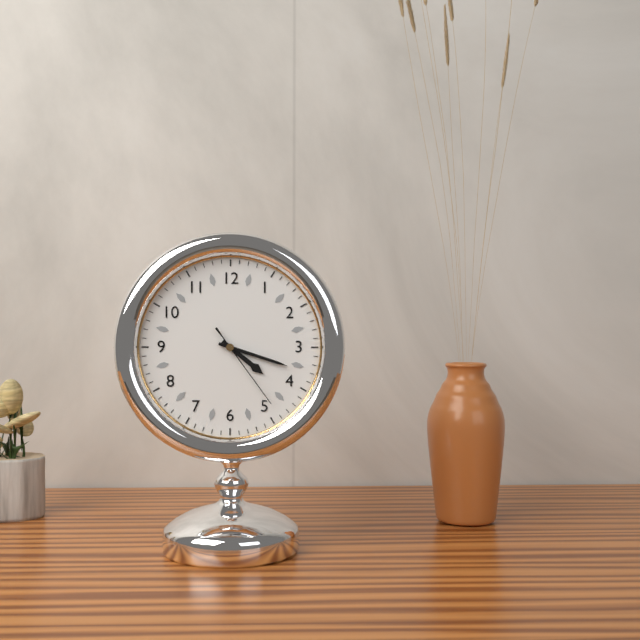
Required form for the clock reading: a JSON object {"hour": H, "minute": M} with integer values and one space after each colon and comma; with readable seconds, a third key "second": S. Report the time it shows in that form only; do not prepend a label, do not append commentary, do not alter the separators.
{"hour": 4, "minute": 18, "second": 24}
